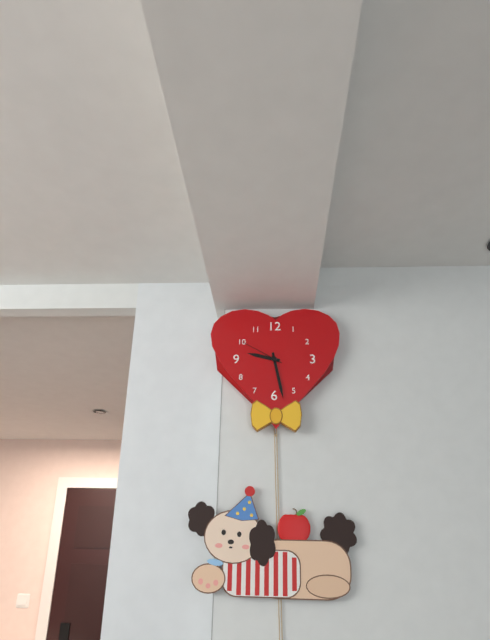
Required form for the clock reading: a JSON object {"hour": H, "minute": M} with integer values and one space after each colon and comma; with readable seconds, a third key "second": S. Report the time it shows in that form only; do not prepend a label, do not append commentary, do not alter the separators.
{"hour": 9, "minute": 28}
